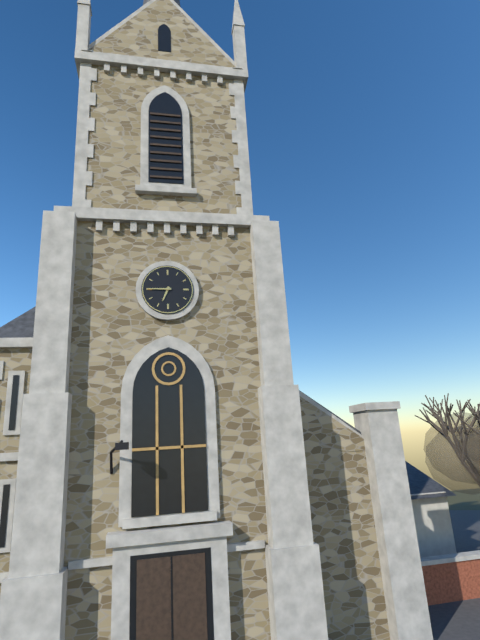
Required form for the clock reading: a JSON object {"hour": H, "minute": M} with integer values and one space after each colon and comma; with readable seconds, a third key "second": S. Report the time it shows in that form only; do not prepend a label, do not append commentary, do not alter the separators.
{"hour": 6, "minute": 45}
